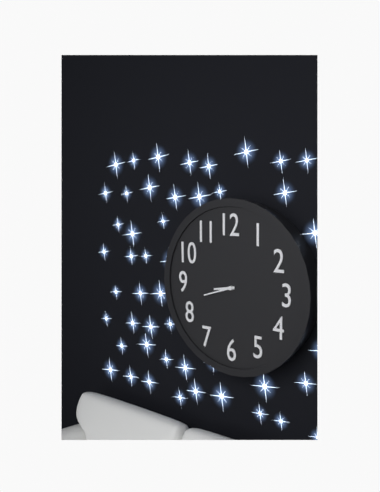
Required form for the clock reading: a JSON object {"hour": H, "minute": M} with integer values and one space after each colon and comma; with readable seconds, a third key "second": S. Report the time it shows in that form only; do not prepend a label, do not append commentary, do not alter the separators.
{"hour": 8, "minute": 42}
